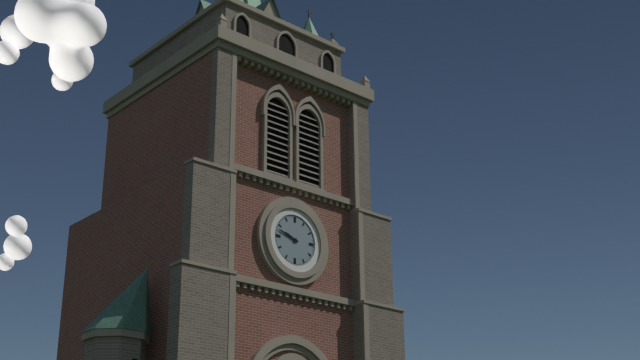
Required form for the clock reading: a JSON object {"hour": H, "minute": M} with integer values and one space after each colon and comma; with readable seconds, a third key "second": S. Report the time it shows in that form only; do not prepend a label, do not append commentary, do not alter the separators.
{"hour": 9, "minute": 48}
